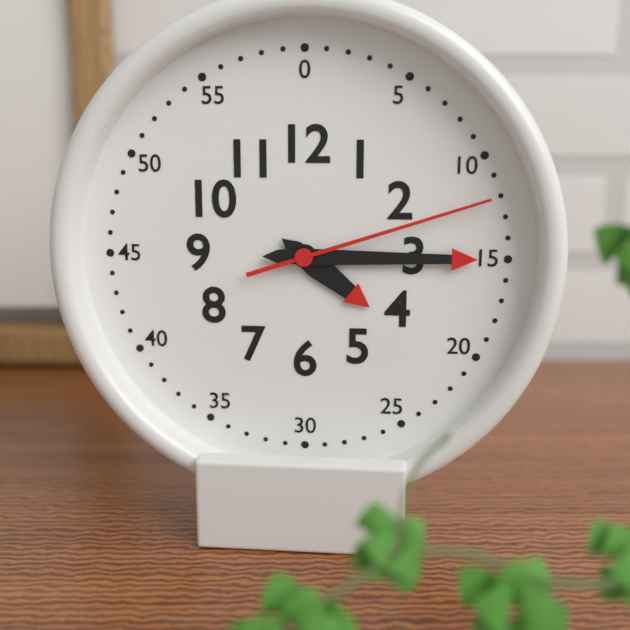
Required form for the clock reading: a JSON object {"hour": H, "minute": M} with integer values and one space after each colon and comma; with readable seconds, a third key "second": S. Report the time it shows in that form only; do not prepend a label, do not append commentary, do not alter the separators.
{"hour": 4, "minute": 15, "second": 12}
